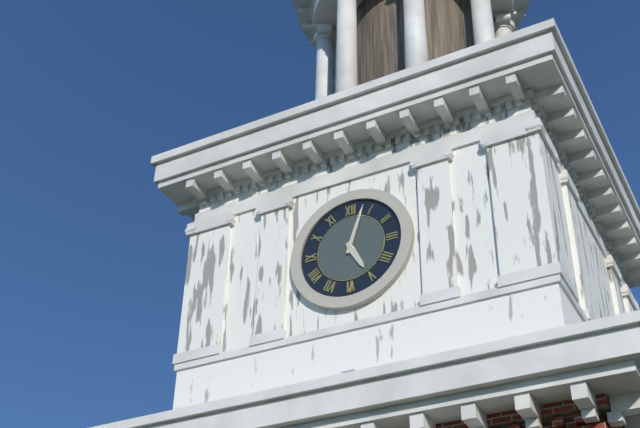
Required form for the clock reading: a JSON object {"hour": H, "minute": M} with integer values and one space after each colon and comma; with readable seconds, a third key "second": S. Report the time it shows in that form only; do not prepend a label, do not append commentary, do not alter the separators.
{"hour": 5, "minute": 3}
